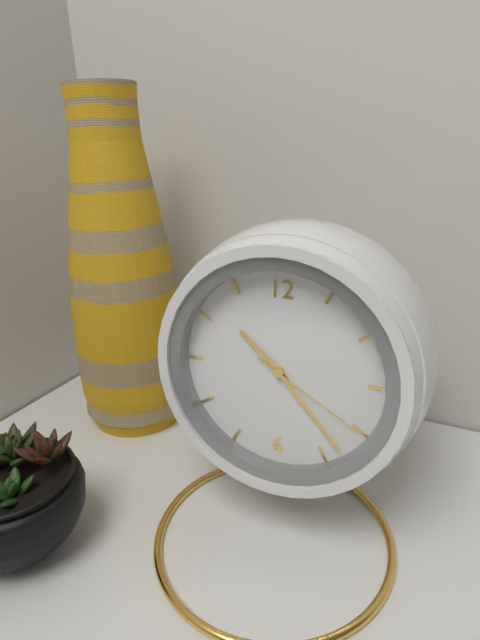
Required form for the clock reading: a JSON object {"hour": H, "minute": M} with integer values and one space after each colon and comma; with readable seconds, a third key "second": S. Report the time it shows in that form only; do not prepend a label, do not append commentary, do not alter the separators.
{"hour": 10, "minute": 23, "second": 20}
